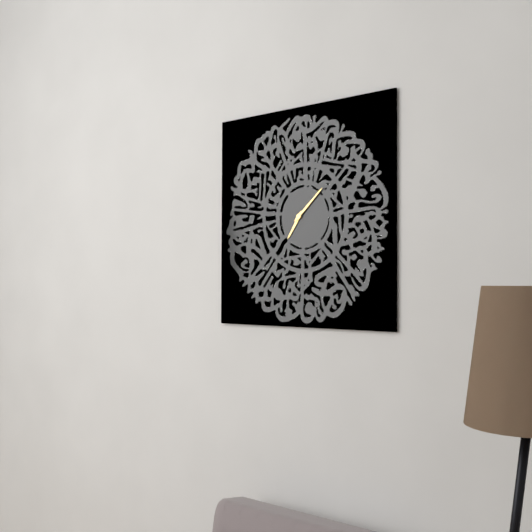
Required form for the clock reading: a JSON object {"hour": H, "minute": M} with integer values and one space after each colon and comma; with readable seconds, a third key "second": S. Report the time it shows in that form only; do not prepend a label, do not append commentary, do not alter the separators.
{"hour": 7, "minute": 8}
